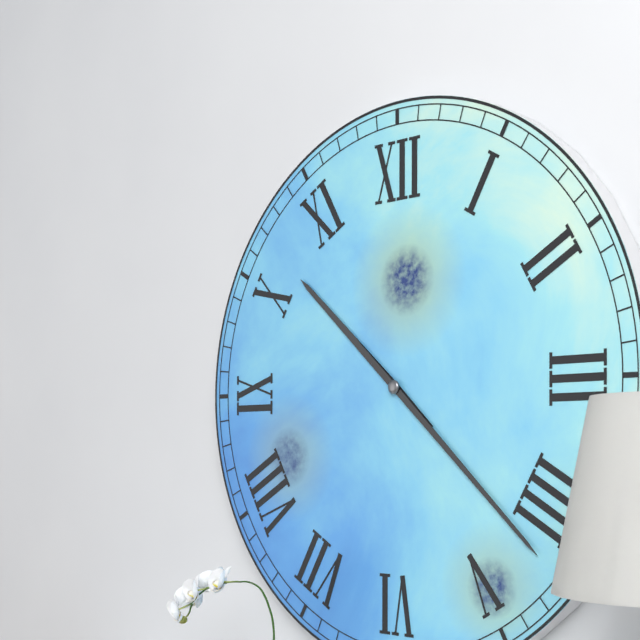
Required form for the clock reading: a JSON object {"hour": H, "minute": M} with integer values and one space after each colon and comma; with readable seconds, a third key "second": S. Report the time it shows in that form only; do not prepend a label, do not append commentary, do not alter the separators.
{"hour": 10, "minute": 22}
